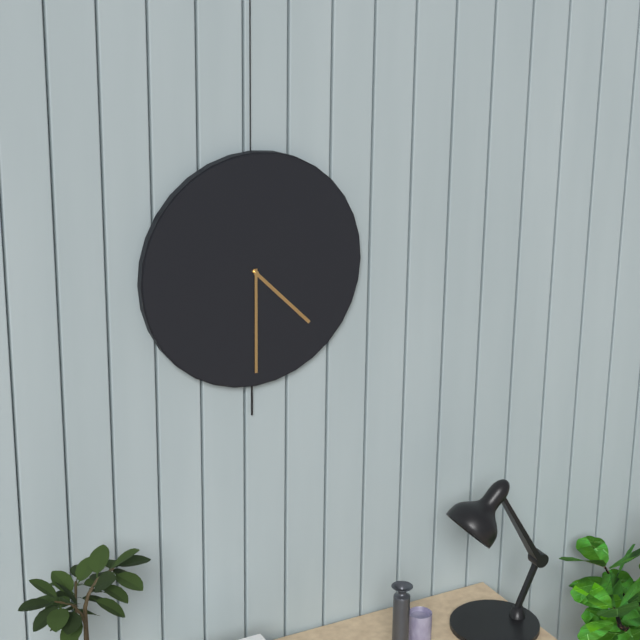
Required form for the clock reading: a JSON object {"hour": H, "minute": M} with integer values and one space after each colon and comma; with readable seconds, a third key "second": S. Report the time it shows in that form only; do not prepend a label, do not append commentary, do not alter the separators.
{"hour": 4, "minute": 30}
